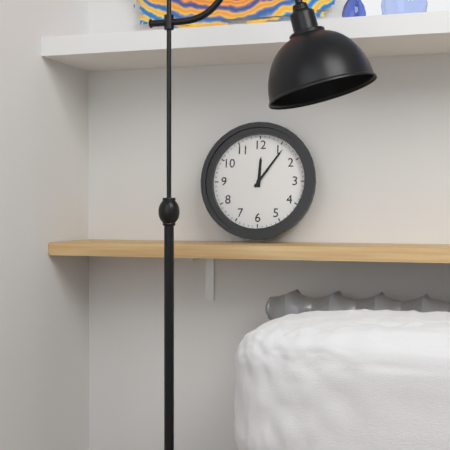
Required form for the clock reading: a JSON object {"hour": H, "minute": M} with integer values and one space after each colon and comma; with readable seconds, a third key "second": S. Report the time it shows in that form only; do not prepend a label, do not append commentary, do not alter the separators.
{"hour": 12, "minute": 6}
